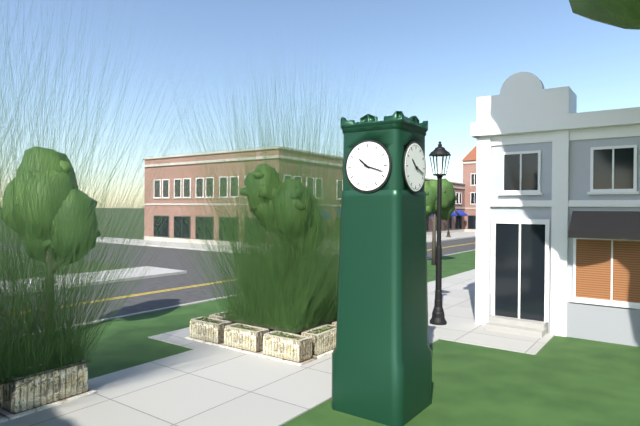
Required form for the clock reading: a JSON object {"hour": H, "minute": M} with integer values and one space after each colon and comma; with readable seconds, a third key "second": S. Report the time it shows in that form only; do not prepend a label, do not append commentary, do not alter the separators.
{"hour": 10, "minute": 18}
